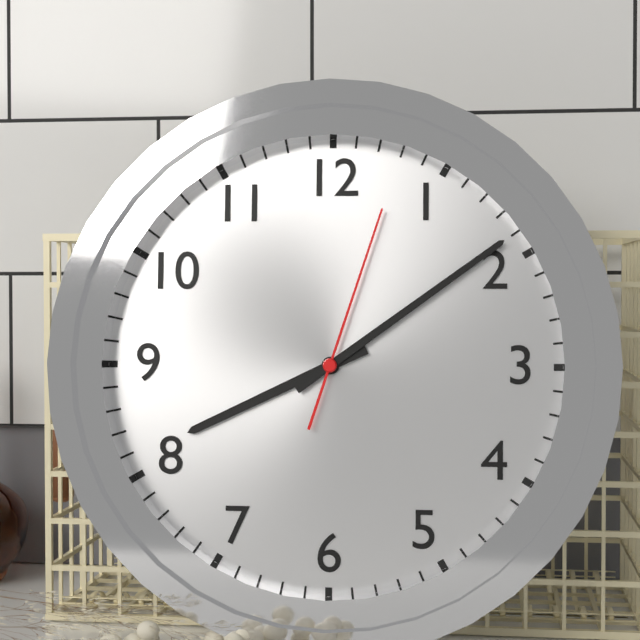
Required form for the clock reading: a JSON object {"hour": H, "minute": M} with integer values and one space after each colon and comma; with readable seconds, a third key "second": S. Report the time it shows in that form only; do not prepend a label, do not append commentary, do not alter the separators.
{"hour": 8, "minute": 9, "second": 3}
